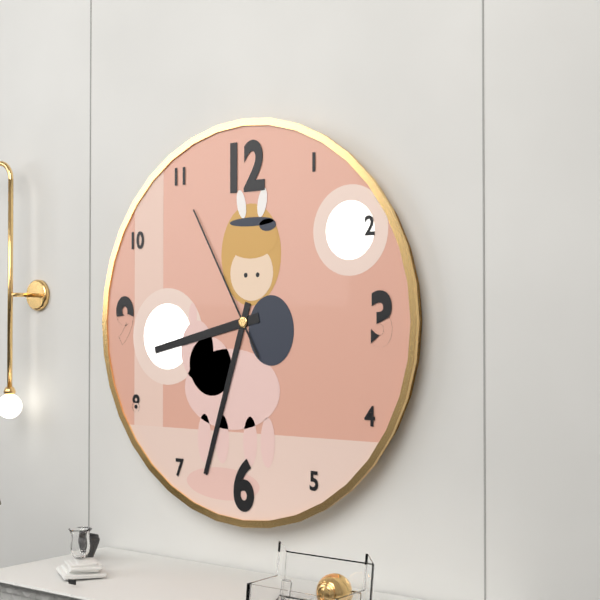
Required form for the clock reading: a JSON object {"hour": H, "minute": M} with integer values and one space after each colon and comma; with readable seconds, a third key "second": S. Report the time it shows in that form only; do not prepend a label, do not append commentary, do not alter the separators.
{"hour": 8, "minute": 33, "second": 55}
